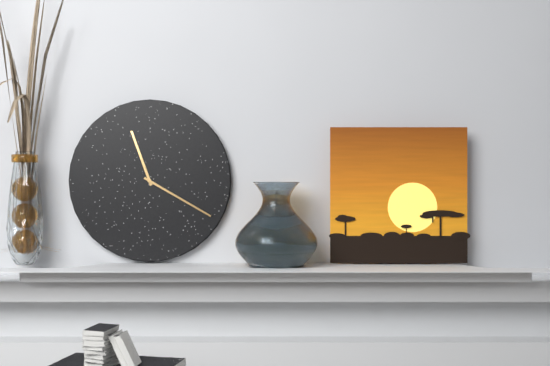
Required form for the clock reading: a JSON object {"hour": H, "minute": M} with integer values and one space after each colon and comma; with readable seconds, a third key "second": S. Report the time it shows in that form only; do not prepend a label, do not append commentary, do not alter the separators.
{"hour": 11, "minute": 20}
